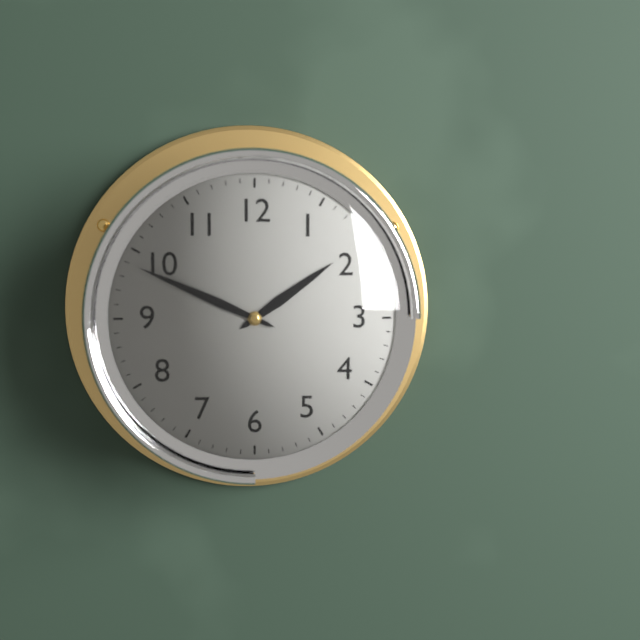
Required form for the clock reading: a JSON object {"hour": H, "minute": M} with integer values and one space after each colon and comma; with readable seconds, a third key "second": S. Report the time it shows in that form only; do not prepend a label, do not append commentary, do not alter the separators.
{"hour": 1, "minute": 49}
